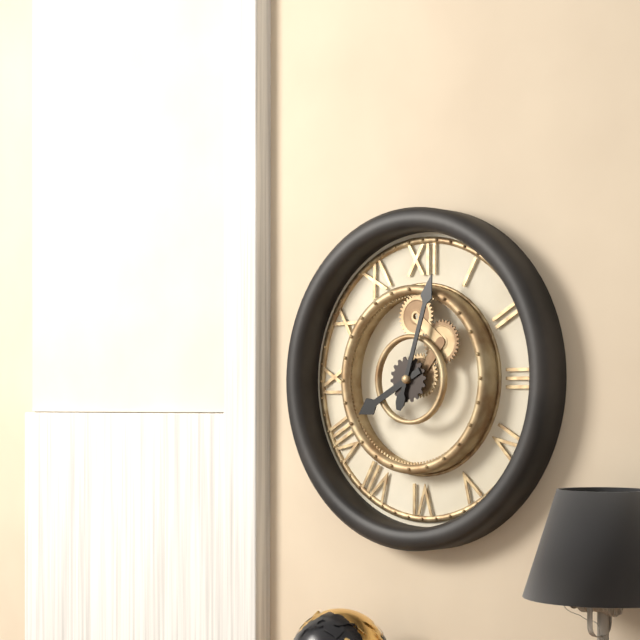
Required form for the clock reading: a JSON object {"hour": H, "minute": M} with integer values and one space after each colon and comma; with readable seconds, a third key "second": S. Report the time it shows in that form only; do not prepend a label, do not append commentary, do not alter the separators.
{"hour": 8, "minute": 3}
